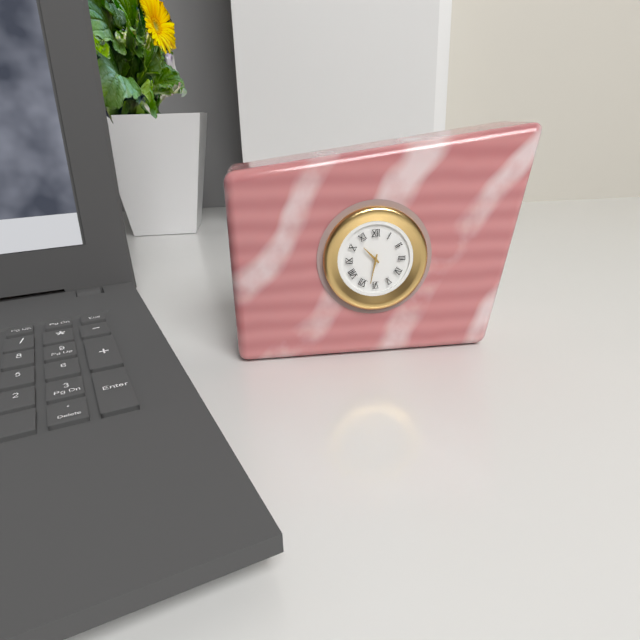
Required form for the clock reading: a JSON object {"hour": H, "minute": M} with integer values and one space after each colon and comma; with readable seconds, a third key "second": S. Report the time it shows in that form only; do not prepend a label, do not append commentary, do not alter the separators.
{"hour": 10, "minute": 32}
